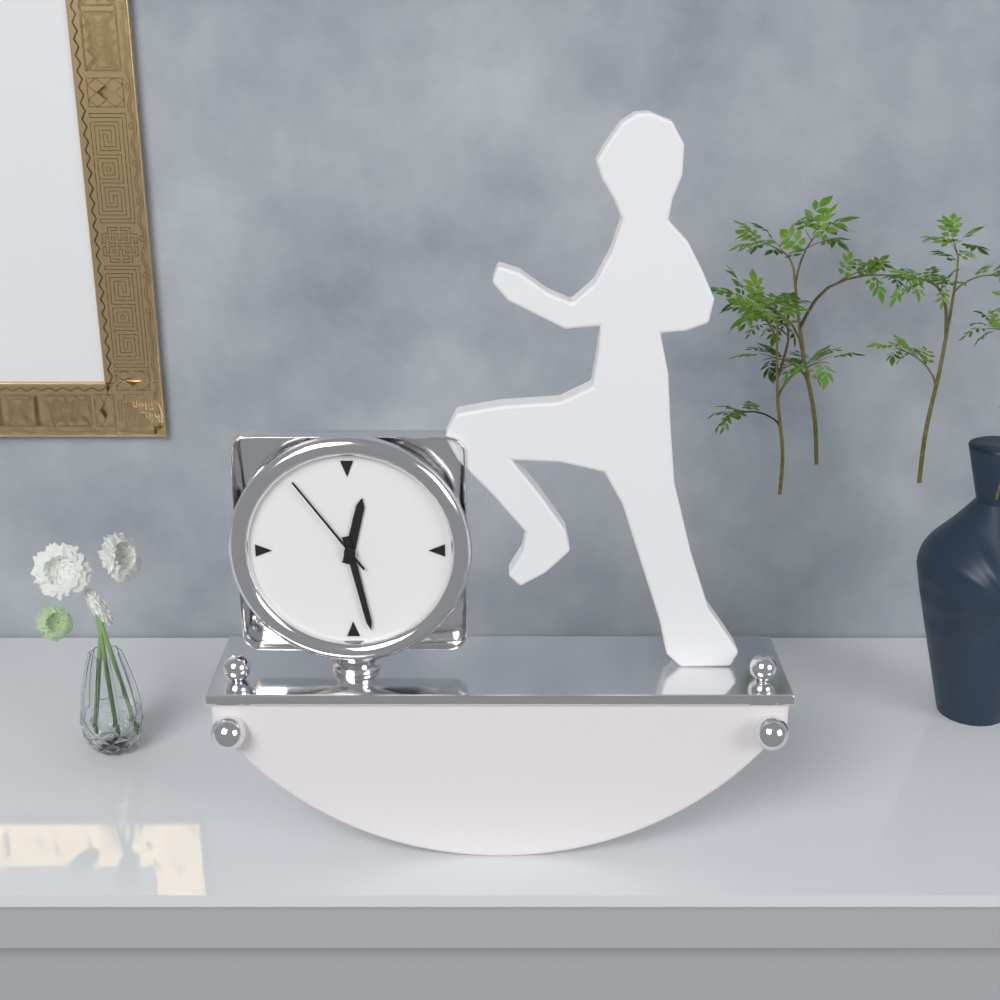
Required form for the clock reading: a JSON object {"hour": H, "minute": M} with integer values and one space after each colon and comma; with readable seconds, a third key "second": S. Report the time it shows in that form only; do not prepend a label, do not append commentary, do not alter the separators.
{"hour": 12, "minute": 28, "second": 54}
